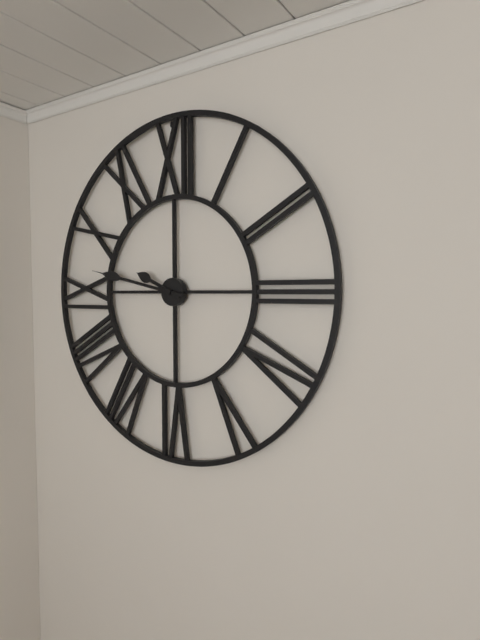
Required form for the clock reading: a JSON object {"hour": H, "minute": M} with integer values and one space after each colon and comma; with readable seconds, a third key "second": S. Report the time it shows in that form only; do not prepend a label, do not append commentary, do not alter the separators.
{"hour": 9, "minute": 47}
